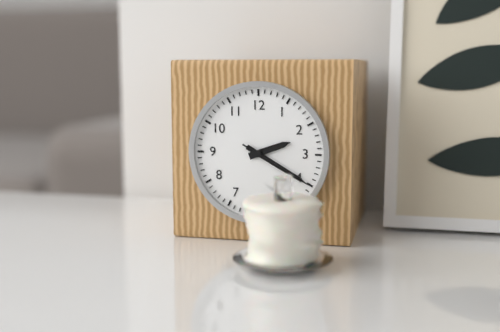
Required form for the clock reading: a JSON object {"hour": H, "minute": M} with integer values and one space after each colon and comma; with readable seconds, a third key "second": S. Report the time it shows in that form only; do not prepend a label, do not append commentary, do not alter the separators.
{"hour": 2, "minute": 20, "second": 20}
